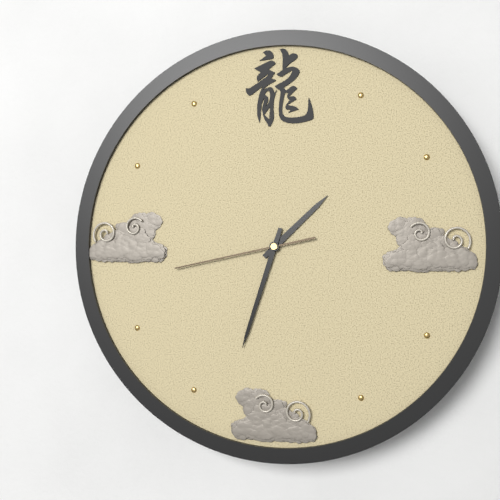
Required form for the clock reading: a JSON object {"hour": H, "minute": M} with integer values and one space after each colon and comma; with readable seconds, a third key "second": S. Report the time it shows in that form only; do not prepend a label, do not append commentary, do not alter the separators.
{"hour": 1, "minute": 33, "second": 43}
